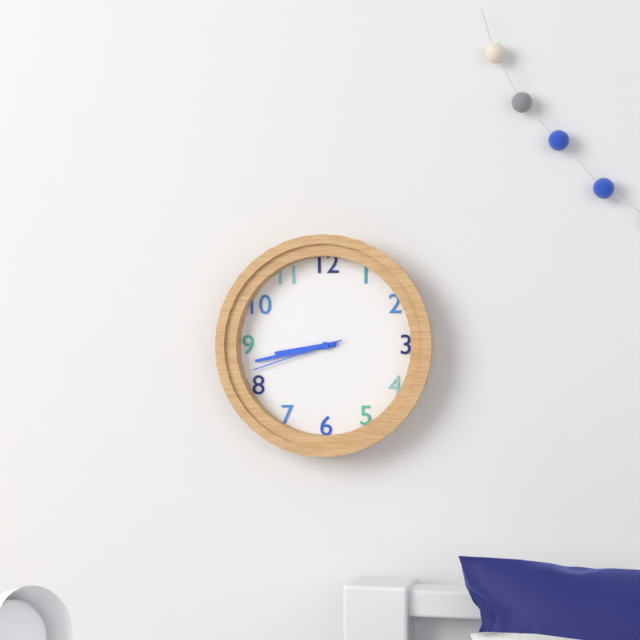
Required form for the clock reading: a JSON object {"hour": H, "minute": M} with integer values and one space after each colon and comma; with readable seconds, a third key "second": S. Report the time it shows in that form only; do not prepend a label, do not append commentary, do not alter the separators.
{"hour": 8, "minute": 43, "second": 42}
